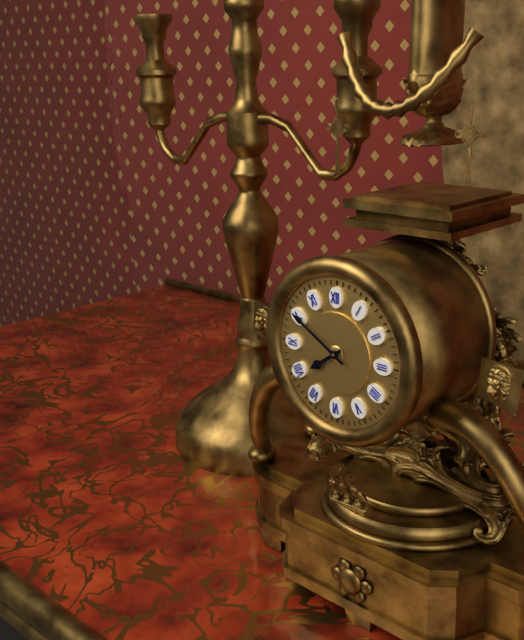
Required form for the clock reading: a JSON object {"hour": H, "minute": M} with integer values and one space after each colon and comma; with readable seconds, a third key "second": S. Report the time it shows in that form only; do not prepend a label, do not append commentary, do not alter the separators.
{"hour": 7, "minute": 50}
